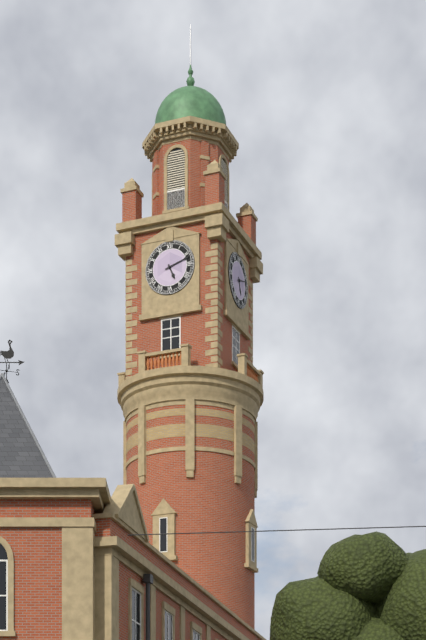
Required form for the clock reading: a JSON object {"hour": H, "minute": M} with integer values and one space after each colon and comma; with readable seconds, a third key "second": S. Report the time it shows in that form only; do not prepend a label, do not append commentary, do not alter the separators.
{"hour": 5, "minute": 12}
